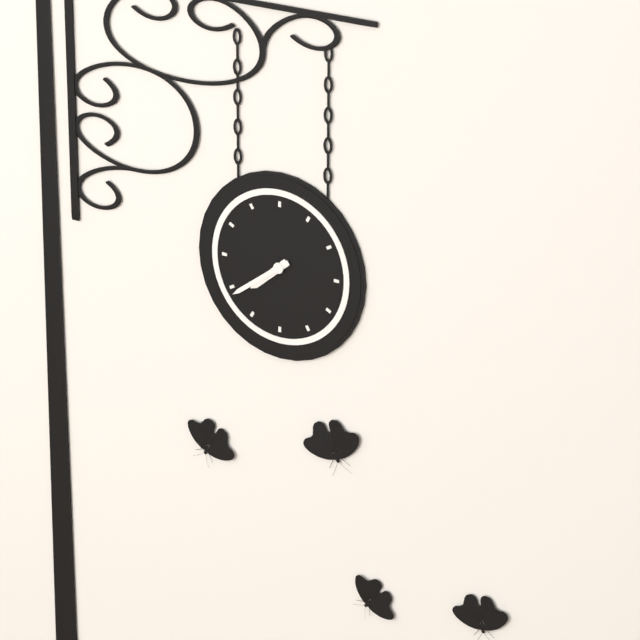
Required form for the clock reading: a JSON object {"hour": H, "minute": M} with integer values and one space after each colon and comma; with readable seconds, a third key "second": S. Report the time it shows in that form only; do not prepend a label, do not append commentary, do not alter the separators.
{"hour": 7, "minute": 39}
